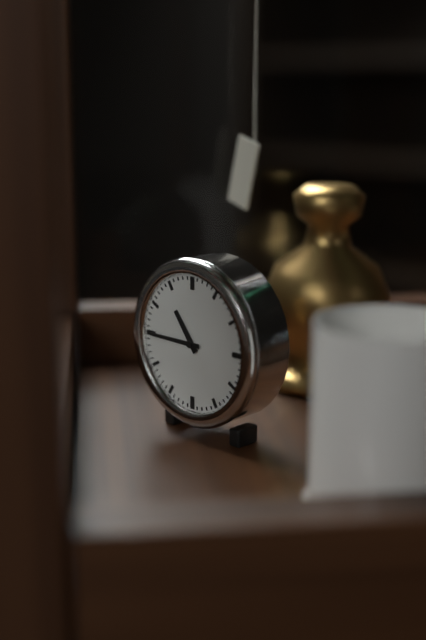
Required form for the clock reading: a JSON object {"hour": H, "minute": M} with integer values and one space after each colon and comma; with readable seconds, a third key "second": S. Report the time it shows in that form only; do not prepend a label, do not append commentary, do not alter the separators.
{"hour": 10, "minute": 45}
